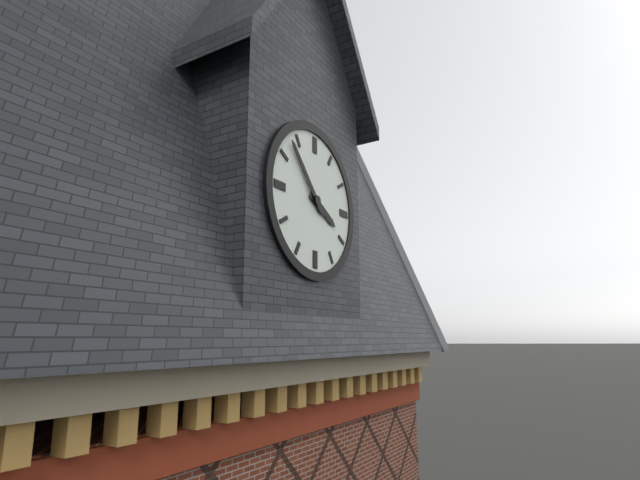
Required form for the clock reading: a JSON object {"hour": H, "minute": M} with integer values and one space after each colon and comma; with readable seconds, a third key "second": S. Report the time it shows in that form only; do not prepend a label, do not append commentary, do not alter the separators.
{"hour": 3, "minute": 53}
